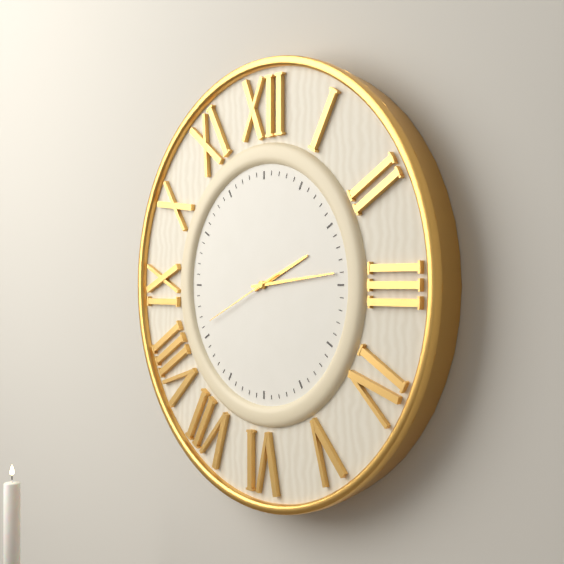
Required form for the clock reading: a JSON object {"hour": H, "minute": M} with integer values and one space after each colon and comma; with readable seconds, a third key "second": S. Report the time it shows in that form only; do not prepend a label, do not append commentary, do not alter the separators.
{"hour": 2, "minute": 14, "second": 41}
